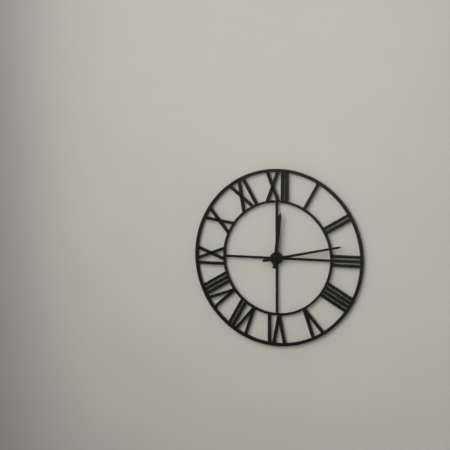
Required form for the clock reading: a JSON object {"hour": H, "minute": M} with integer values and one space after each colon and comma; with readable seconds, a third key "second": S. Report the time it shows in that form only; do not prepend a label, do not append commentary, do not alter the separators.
{"hour": 12, "minute": 13}
